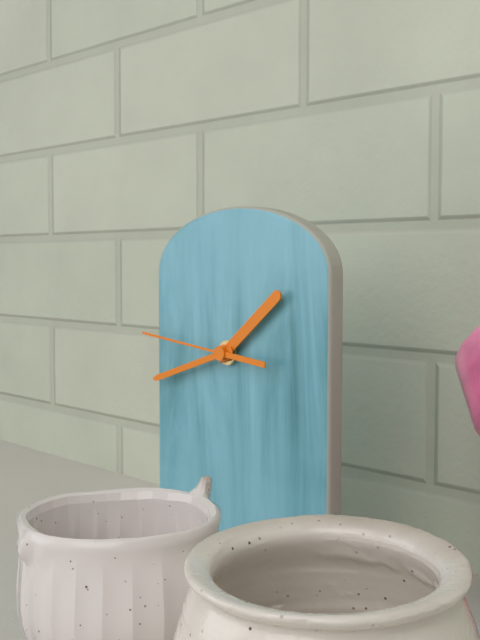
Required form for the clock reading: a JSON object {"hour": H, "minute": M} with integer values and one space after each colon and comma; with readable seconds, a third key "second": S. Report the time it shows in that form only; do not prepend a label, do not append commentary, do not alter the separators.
{"hour": 1, "minute": 42, "second": 46}
